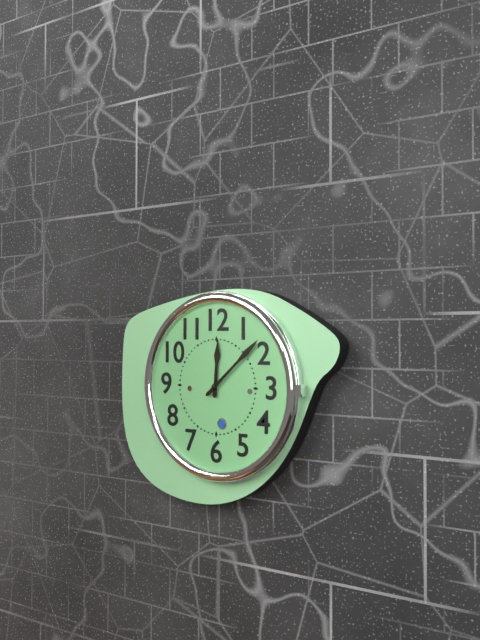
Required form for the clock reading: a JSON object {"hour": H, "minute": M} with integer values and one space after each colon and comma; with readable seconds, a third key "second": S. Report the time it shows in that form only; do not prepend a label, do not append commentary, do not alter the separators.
{"hour": 12, "minute": 8}
